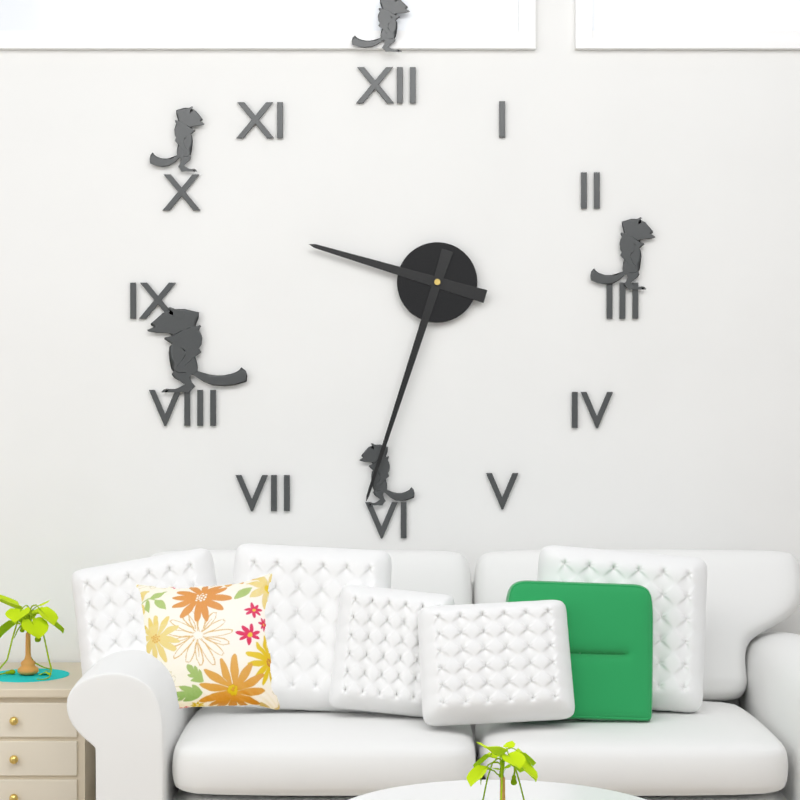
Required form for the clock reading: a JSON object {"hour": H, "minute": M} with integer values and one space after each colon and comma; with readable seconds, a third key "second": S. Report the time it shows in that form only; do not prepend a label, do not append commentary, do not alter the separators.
{"hour": 9, "minute": 33}
